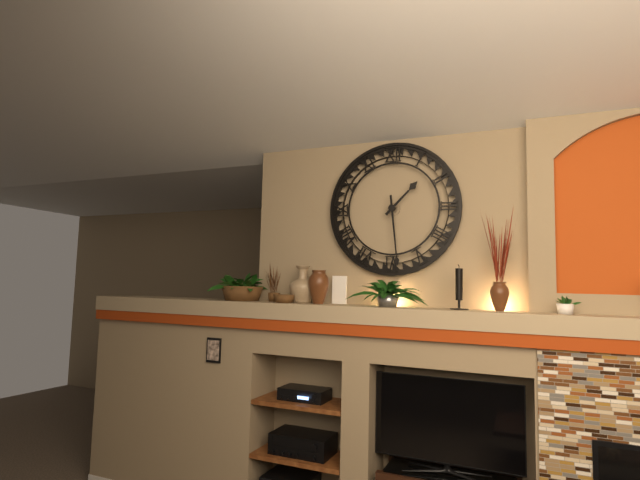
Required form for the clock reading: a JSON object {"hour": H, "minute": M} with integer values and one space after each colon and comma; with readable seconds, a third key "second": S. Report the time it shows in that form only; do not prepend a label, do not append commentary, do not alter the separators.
{"hour": 1, "minute": 29}
